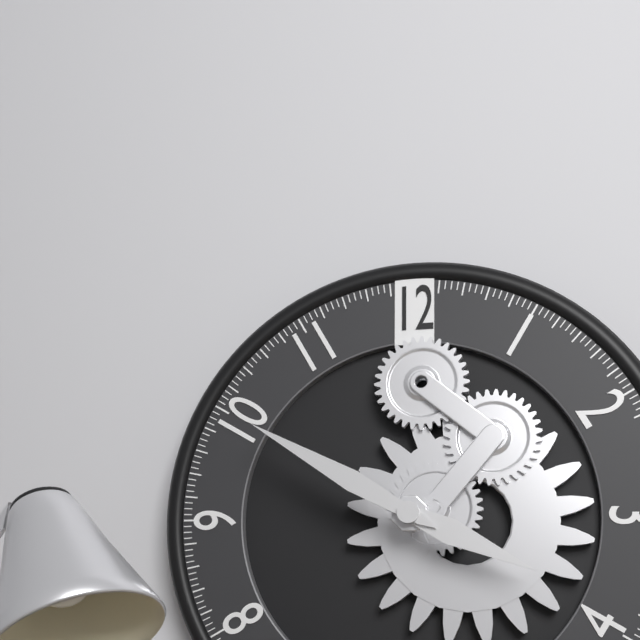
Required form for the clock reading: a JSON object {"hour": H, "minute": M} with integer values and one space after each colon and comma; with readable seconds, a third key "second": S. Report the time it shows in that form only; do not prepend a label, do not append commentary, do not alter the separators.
{"hour": 3, "minute": 50}
